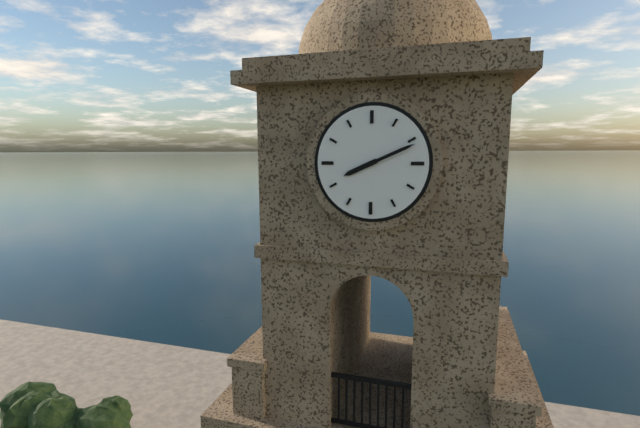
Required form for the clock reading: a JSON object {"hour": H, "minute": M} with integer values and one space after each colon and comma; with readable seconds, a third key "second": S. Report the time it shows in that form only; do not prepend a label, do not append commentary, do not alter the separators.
{"hour": 8, "minute": 11}
